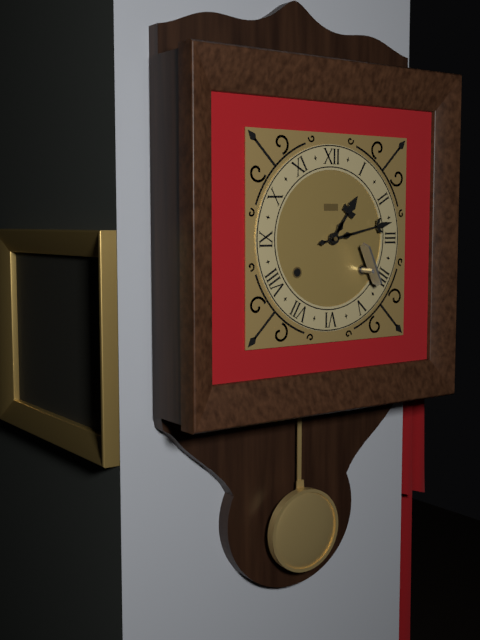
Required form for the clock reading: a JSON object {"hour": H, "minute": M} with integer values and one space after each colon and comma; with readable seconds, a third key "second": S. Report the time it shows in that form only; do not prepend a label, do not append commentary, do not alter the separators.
{"hour": 1, "minute": 13}
